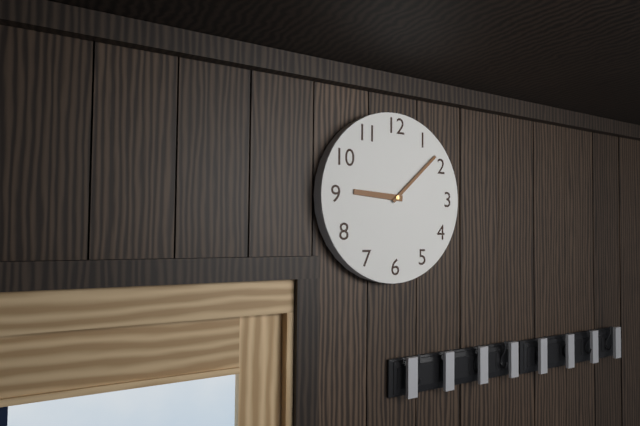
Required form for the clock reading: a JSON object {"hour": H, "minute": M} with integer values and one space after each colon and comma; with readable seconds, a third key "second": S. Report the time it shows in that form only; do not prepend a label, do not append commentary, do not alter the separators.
{"hour": 9, "minute": 8}
